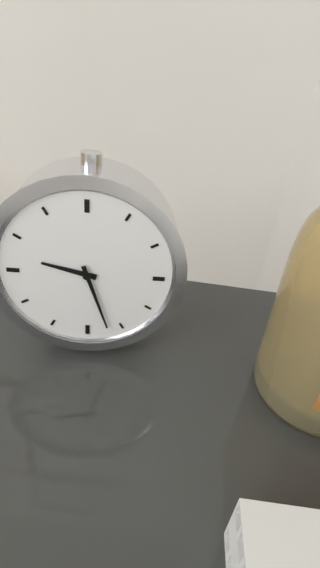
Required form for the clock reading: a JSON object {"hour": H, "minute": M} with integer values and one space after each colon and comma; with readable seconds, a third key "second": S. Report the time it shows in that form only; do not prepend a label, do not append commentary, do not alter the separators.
{"hour": 9, "minute": 27}
